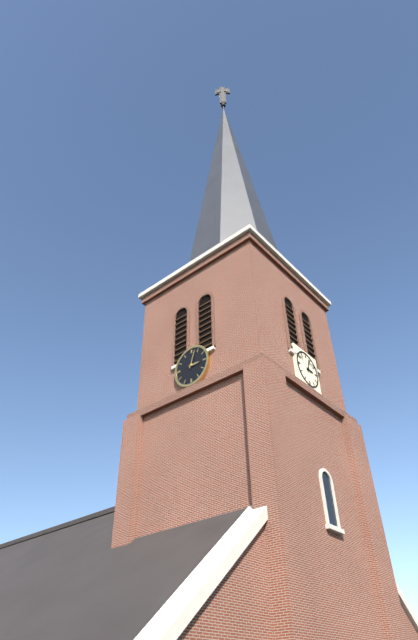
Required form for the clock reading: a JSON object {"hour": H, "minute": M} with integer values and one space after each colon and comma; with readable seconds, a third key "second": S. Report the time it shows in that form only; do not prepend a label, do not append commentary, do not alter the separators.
{"hour": 3, "minute": 3}
